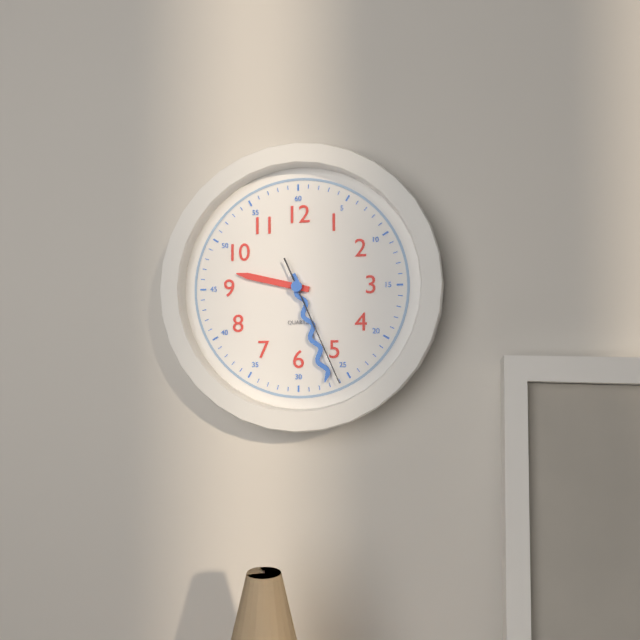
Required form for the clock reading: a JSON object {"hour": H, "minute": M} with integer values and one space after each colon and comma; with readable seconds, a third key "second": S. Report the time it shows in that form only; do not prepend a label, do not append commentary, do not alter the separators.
{"hour": 9, "minute": 27, "second": 26}
